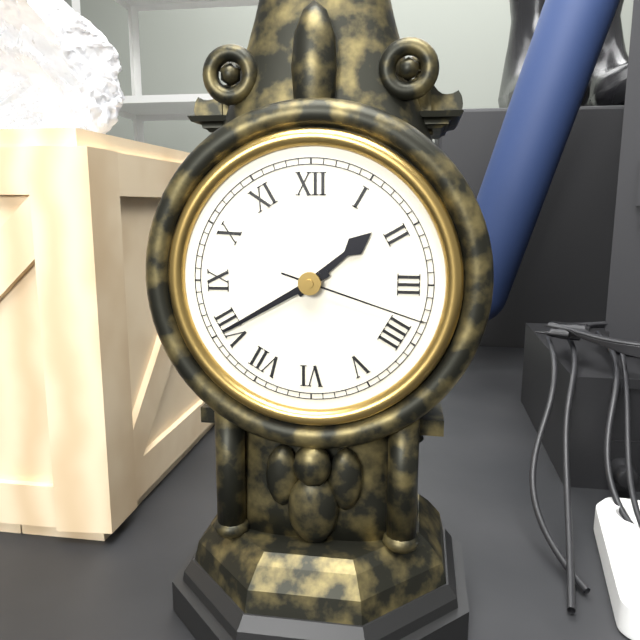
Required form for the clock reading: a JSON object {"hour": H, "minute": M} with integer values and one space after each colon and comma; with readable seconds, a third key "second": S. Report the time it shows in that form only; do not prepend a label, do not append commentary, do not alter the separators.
{"hour": 1, "minute": 40, "second": 18}
